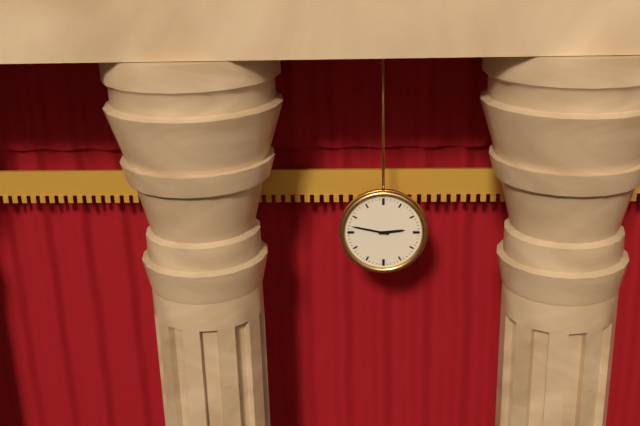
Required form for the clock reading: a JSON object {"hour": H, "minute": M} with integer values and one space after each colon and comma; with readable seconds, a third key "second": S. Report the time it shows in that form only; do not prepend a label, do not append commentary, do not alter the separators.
{"hour": 2, "minute": 47}
